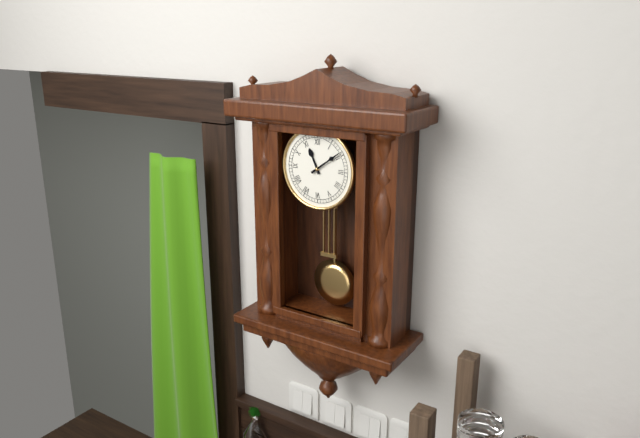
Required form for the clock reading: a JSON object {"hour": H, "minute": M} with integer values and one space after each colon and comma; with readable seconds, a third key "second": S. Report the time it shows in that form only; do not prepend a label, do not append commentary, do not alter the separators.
{"hour": 11, "minute": 9}
